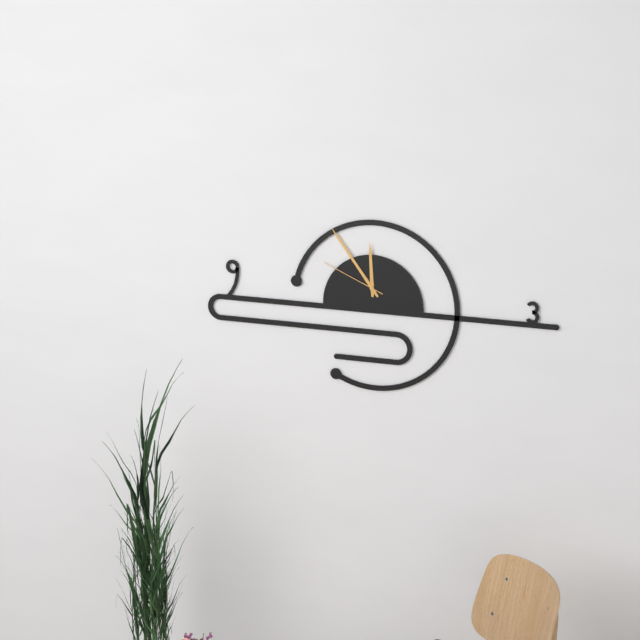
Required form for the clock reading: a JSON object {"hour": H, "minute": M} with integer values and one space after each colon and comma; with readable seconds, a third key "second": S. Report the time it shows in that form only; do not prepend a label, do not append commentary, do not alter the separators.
{"hour": 11, "minute": 54, "second": 49}
